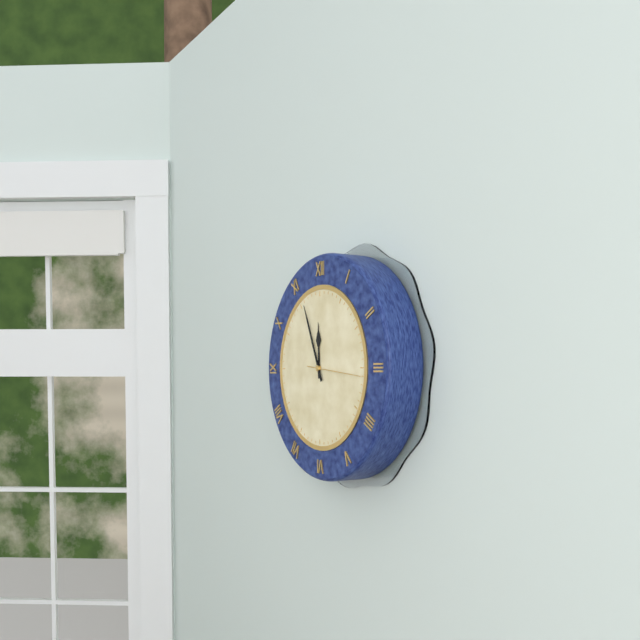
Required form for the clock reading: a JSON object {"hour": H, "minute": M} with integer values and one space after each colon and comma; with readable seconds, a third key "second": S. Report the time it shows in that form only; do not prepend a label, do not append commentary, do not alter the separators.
{"hour": 11, "minute": 56, "second": 16}
